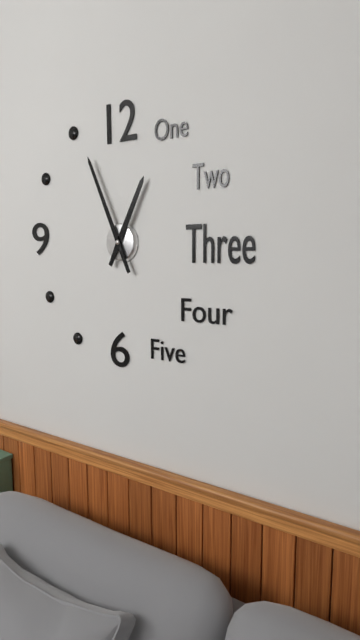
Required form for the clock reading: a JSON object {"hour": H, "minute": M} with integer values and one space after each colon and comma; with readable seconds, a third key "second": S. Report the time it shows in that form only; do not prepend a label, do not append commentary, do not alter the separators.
{"hour": 12, "minute": 56}
